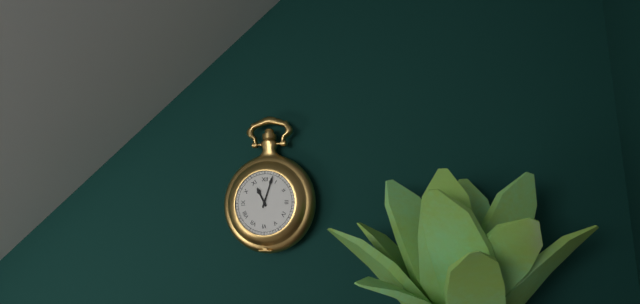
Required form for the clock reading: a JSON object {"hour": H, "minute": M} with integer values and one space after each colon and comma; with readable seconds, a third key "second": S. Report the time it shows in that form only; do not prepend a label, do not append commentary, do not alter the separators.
{"hour": 11, "minute": 3}
